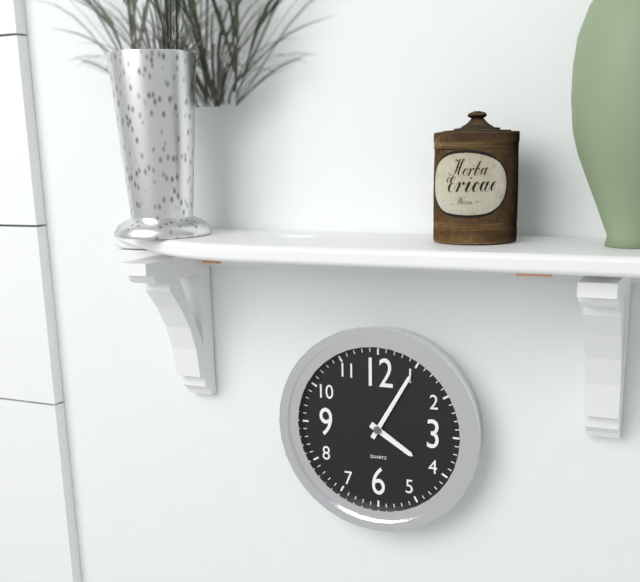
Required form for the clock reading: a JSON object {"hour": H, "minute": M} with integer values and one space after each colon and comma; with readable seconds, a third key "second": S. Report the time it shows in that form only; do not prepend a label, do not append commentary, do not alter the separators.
{"hour": 4, "minute": 5}
